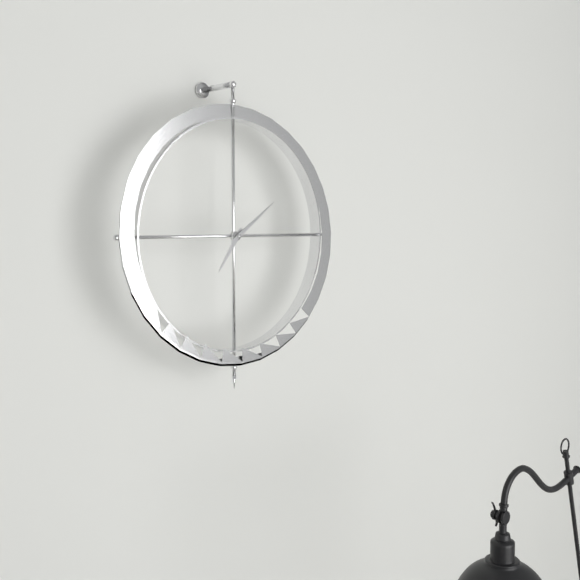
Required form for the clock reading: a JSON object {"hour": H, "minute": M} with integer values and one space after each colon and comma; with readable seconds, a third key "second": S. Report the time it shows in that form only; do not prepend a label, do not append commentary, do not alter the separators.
{"hour": 7, "minute": 9}
